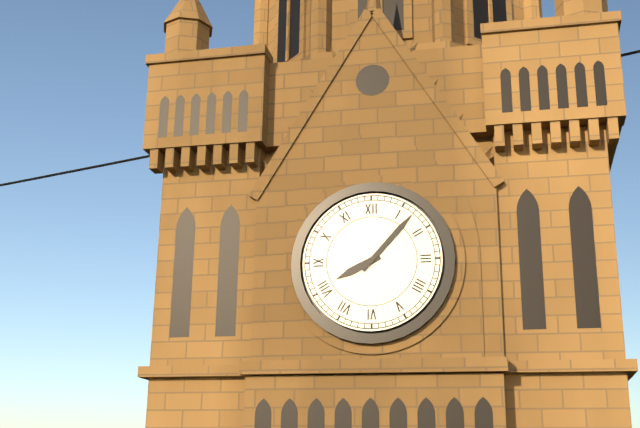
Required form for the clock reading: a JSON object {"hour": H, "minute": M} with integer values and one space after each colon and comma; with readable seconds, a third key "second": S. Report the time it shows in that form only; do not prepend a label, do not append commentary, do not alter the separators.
{"hour": 8, "minute": 7}
